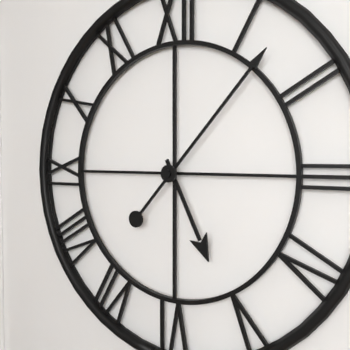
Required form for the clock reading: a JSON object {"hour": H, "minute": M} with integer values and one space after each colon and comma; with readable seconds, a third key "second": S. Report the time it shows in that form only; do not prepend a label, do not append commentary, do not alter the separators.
{"hour": 5, "minute": 7}
